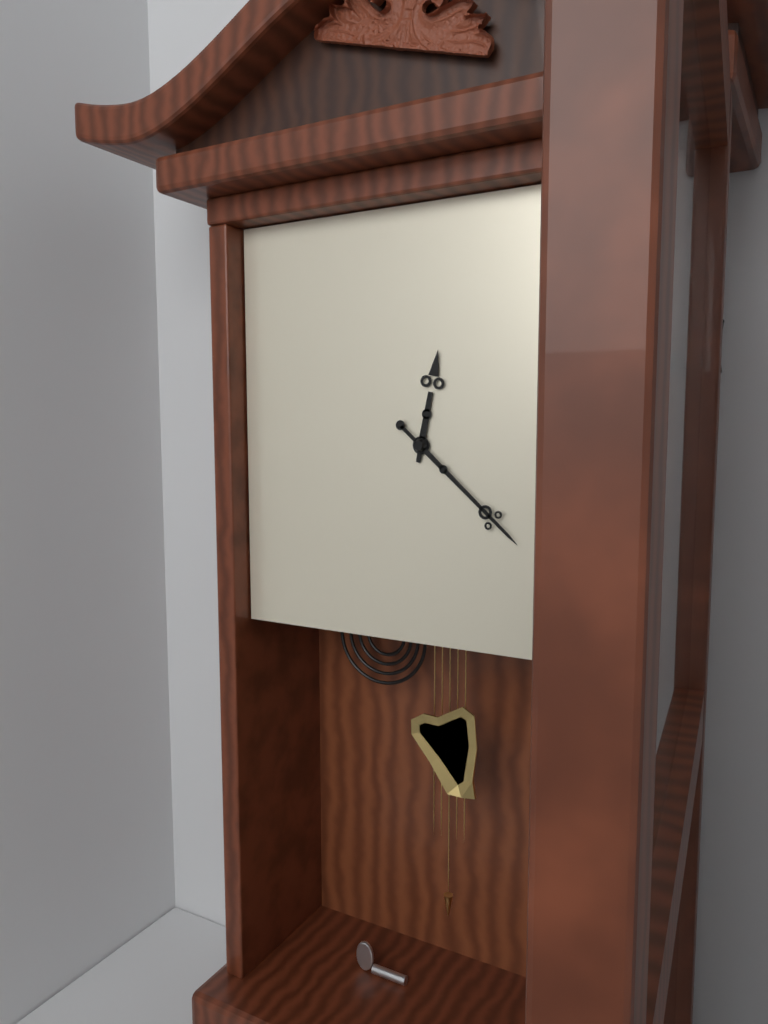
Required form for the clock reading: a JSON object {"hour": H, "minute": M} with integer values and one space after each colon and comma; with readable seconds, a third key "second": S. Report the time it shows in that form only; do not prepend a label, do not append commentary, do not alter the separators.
{"hour": 12, "minute": 22}
